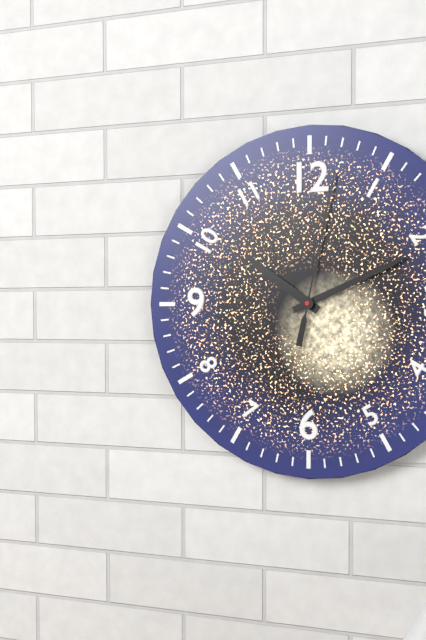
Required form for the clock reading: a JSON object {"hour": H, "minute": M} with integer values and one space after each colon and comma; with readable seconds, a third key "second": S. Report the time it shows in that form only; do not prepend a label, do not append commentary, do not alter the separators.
{"hour": 10, "minute": 11, "second": 2}
